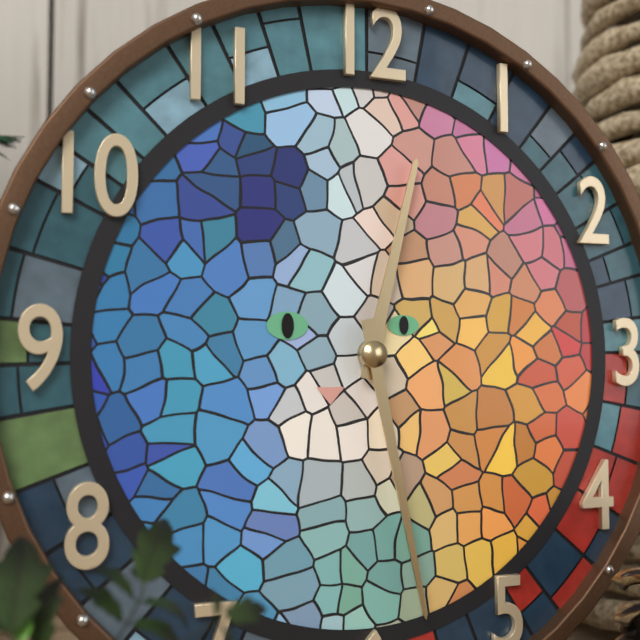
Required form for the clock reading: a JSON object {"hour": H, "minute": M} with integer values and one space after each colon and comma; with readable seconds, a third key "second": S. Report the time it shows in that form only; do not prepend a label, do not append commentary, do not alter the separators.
{"hour": 12, "minute": 28}
